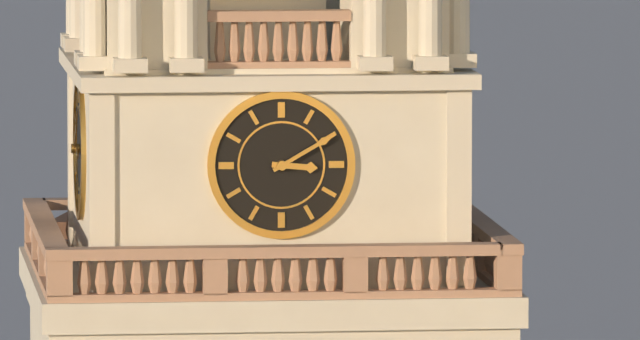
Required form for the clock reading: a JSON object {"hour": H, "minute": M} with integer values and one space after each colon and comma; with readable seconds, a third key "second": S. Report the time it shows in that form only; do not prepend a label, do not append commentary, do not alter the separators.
{"hour": 3, "minute": 10}
